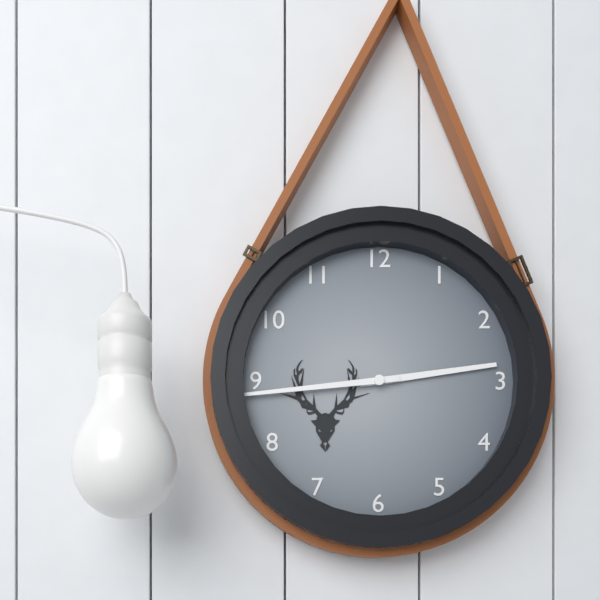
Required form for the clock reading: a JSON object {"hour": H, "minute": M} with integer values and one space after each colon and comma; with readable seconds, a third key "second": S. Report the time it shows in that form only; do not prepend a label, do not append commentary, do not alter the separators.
{"hour": 2, "minute": 44}
